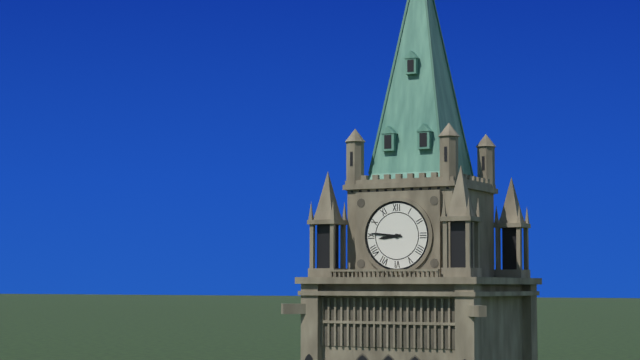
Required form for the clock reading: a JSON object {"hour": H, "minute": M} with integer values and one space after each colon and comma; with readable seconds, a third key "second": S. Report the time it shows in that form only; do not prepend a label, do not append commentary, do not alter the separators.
{"hour": 8, "minute": 46}
